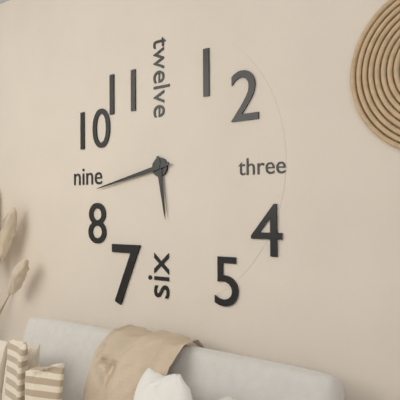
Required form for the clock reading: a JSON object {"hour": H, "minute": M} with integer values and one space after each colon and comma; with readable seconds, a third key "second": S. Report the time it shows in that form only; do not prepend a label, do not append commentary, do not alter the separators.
{"hour": 5, "minute": 43}
